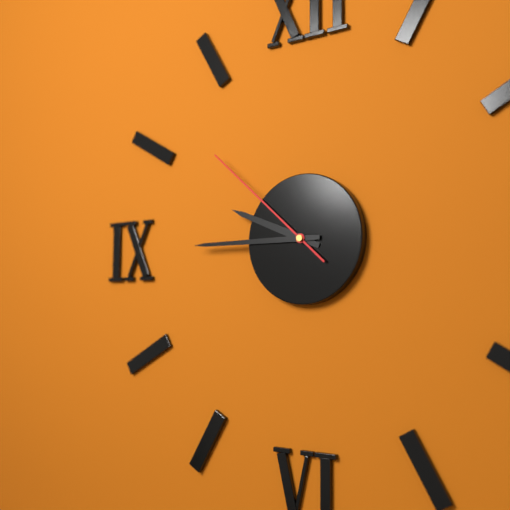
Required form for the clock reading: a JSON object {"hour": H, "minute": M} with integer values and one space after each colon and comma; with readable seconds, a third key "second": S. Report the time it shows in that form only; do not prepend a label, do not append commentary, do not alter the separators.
{"hour": 9, "minute": 45, "second": 52}
